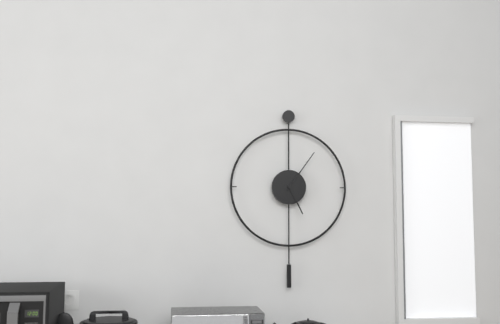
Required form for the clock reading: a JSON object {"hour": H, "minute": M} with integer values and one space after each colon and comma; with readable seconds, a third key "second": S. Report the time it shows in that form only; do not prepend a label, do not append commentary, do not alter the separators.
{"hour": 5, "minute": 6}
